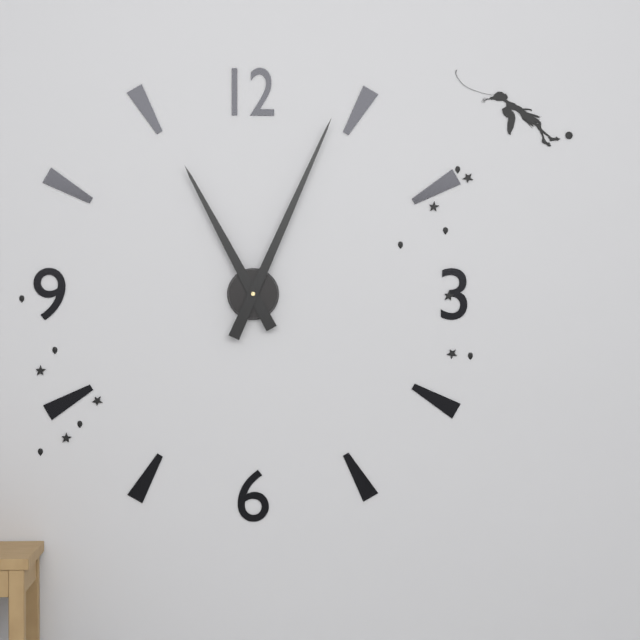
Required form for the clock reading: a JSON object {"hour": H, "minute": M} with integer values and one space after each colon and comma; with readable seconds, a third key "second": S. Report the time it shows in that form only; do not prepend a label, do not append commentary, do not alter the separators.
{"hour": 11, "minute": 4}
